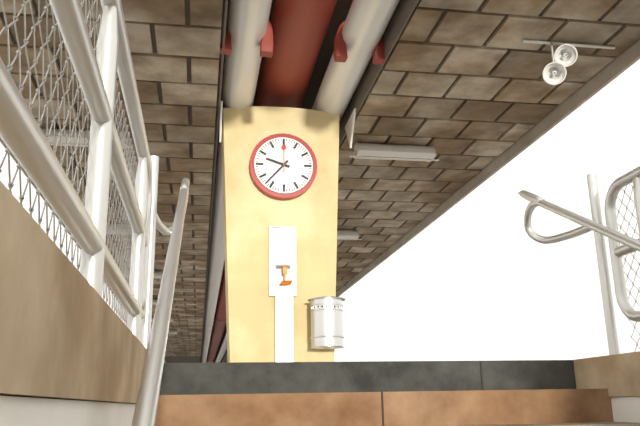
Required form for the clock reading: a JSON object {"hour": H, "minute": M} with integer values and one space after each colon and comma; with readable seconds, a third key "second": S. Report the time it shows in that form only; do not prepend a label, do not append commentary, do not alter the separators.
{"hour": 9, "minute": 37}
